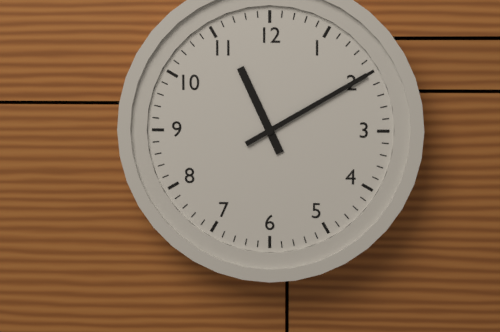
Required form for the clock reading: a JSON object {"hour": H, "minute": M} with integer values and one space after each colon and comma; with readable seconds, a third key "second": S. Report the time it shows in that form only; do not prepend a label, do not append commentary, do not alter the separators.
{"hour": 11, "minute": 10}
